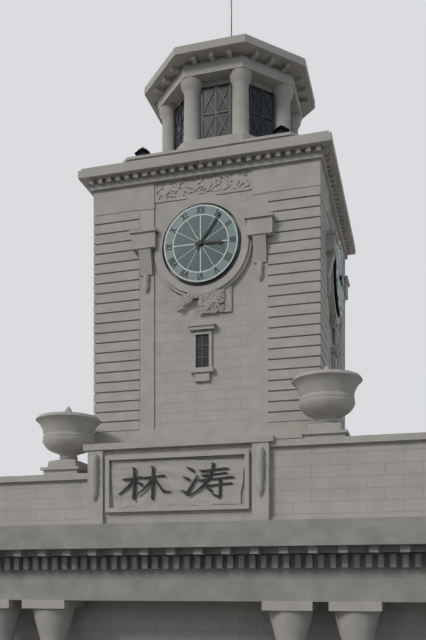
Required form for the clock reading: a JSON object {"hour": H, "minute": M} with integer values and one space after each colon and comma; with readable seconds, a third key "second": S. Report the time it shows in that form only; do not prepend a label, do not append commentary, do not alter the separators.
{"hour": 3, "minute": 6}
